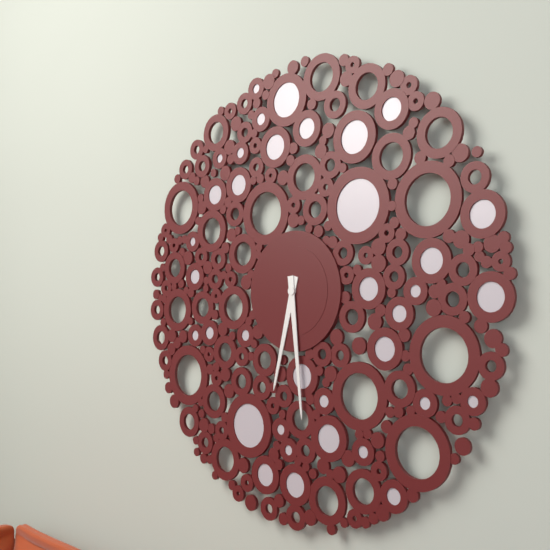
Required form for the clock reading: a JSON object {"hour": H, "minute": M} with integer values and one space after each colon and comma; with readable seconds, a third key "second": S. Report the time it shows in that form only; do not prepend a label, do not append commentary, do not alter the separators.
{"hour": 6, "minute": 29}
